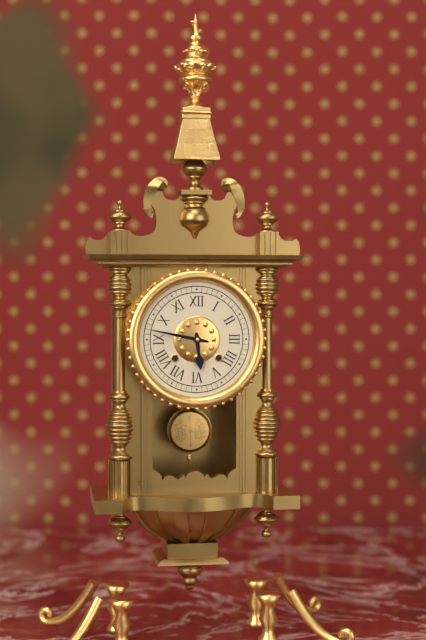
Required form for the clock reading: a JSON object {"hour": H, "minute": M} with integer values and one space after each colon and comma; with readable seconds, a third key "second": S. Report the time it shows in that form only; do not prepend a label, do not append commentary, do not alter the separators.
{"hour": 5, "minute": 47}
